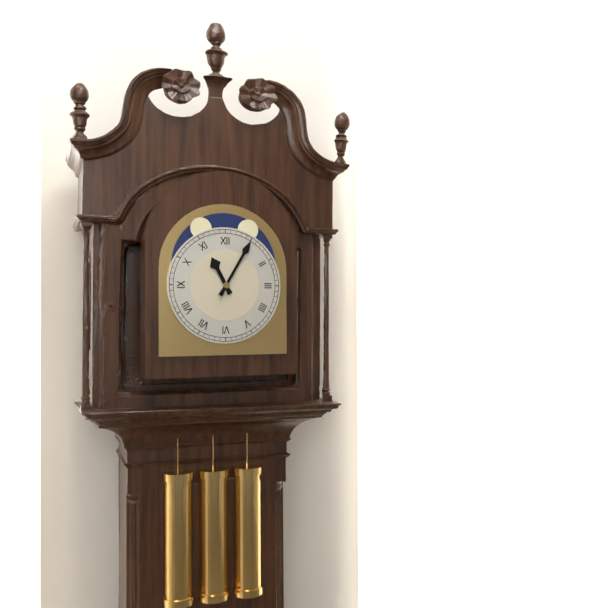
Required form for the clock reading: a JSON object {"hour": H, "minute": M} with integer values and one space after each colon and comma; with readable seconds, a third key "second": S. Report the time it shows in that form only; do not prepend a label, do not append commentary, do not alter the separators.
{"hour": 11, "minute": 5}
